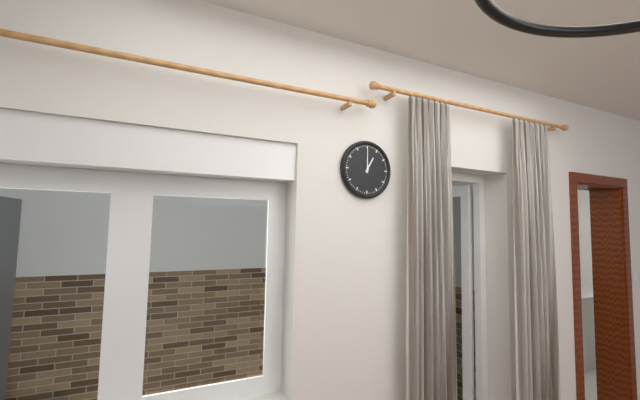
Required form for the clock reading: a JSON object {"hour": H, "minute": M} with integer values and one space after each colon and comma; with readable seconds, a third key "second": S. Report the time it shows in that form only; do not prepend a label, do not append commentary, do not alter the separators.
{"hour": 1, "minute": 0}
